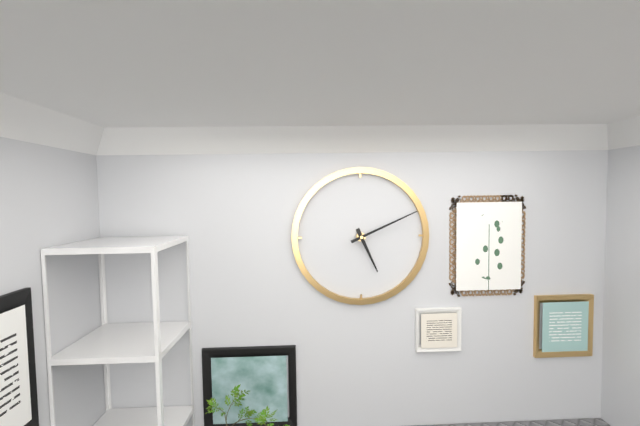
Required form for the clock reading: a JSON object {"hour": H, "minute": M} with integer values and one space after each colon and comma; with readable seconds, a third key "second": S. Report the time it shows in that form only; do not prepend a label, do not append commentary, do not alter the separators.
{"hour": 5, "minute": 11}
